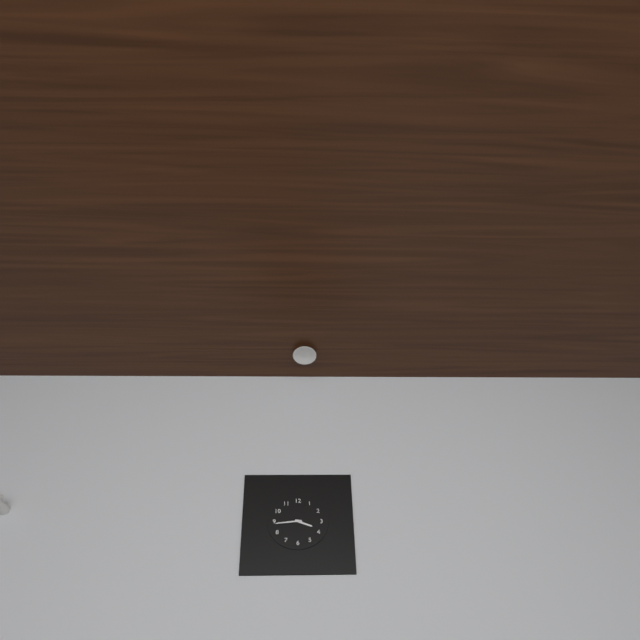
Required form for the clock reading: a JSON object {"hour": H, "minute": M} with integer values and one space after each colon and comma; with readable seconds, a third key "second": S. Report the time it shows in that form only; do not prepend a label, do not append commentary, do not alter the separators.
{"hour": 3, "minute": 44}
